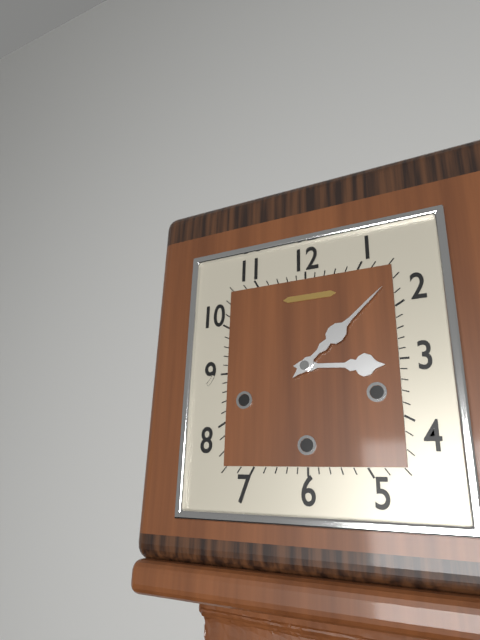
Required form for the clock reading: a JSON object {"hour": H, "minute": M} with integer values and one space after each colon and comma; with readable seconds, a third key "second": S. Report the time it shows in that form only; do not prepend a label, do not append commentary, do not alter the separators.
{"hour": 3, "minute": 8}
